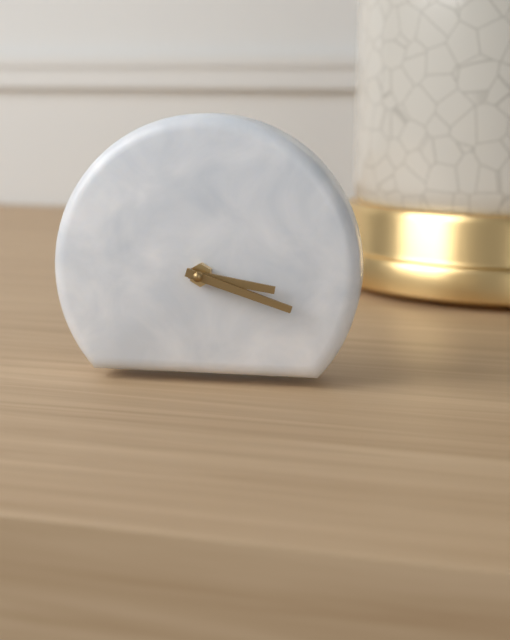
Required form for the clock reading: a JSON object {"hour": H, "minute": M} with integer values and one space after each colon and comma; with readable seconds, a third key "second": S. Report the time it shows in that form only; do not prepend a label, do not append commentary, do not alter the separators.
{"hour": 3, "minute": 18}
